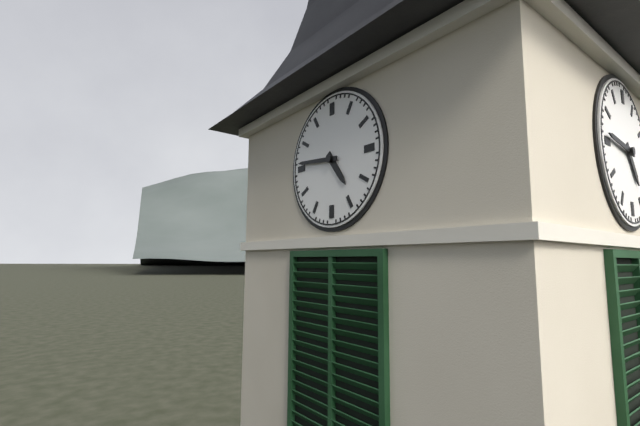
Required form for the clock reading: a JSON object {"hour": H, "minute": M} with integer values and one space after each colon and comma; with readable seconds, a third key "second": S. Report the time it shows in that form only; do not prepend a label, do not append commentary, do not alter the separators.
{"hour": 4, "minute": 46}
